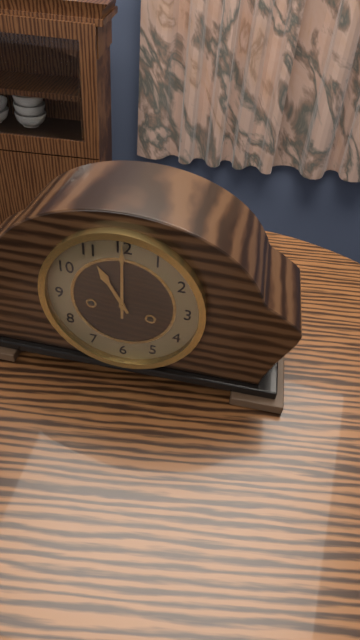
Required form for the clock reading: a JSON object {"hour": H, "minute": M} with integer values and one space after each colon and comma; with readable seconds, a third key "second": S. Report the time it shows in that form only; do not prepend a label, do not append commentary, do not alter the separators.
{"hour": 11, "minute": 0}
